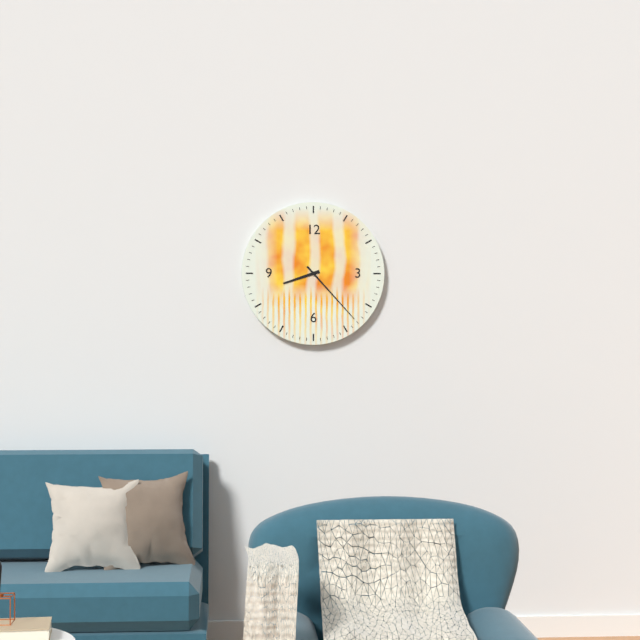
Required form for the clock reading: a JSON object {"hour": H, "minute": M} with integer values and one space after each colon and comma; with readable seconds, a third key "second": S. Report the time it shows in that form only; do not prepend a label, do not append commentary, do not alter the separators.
{"hour": 8, "minute": 23}
